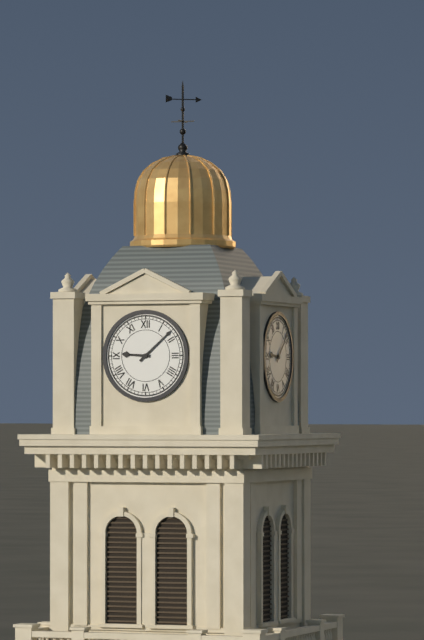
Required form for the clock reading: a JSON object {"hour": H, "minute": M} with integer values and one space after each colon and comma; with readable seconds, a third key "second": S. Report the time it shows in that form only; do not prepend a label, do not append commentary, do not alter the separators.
{"hour": 9, "minute": 8}
